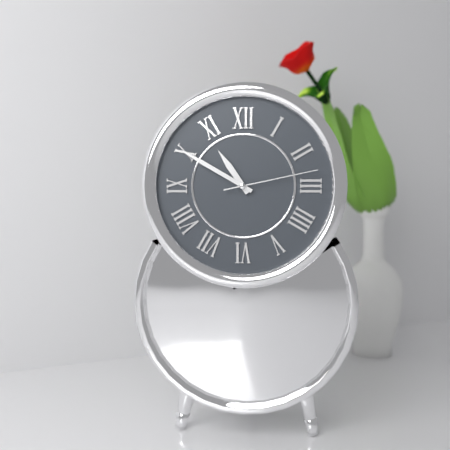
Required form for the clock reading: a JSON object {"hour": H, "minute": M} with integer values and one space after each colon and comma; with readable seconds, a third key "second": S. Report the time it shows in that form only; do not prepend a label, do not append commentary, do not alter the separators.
{"hour": 10, "minute": 50, "second": 13}
